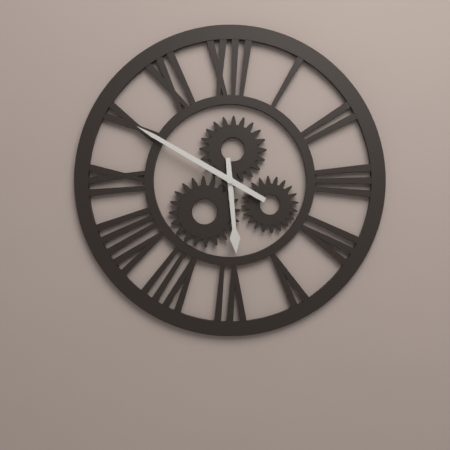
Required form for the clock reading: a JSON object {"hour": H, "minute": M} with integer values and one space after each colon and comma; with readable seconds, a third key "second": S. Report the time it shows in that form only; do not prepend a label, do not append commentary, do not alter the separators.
{"hour": 5, "minute": 50}
